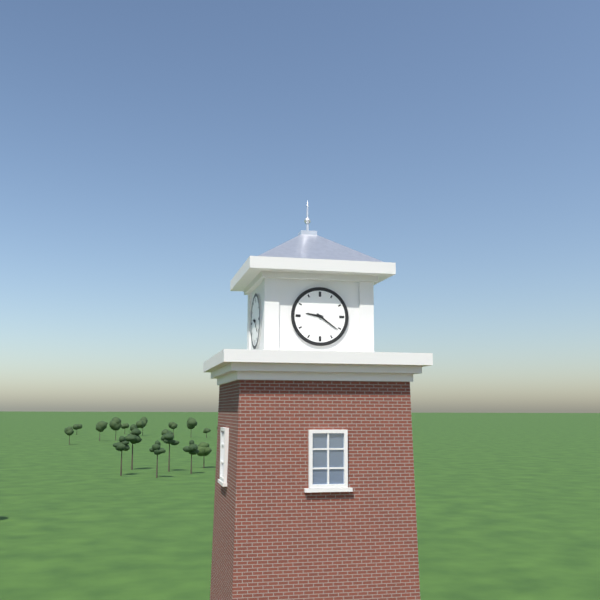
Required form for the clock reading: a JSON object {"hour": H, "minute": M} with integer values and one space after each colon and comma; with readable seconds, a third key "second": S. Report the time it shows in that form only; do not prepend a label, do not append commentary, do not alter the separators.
{"hour": 9, "minute": 21}
